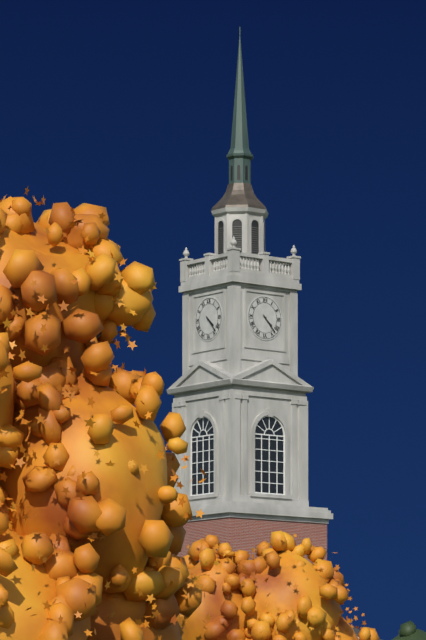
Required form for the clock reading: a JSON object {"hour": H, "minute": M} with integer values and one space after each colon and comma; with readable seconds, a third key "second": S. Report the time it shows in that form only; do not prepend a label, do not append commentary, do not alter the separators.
{"hour": 4, "minute": 23}
